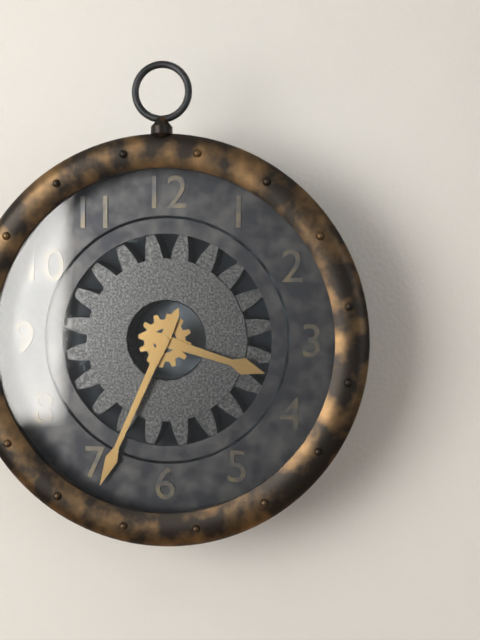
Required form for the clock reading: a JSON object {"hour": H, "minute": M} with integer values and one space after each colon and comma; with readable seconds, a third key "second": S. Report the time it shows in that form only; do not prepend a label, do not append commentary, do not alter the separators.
{"hour": 3, "minute": 34}
